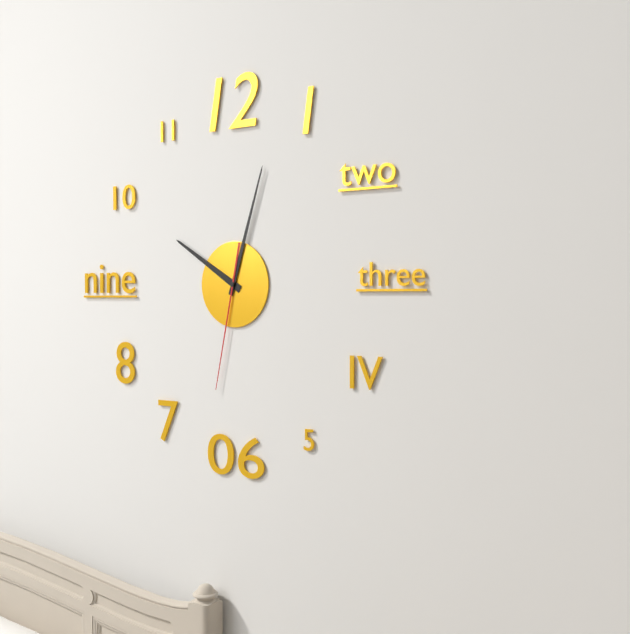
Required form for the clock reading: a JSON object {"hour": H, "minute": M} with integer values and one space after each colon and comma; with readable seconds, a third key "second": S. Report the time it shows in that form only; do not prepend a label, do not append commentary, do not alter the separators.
{"hour": 10, "minute": 3, "second": 32}
